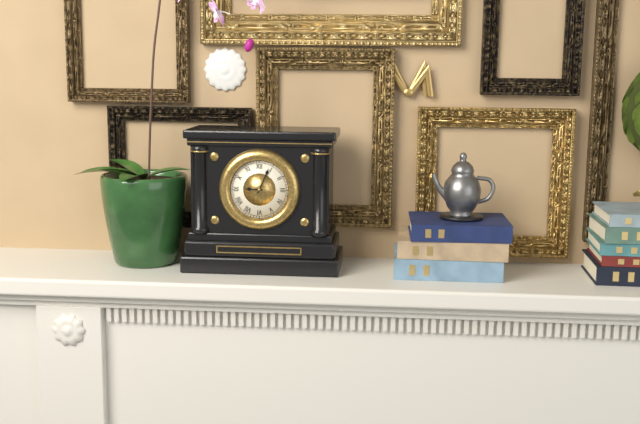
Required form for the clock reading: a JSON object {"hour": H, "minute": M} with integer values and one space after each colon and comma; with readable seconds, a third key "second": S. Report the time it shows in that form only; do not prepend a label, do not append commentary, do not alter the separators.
{"hour": 9, "minute": 4}
